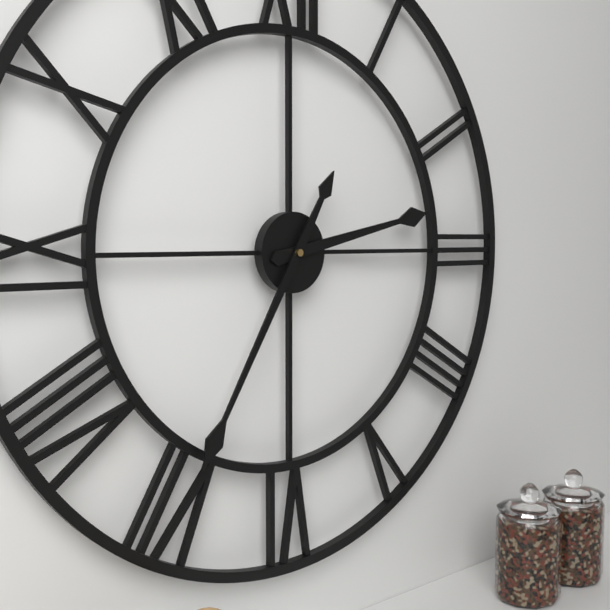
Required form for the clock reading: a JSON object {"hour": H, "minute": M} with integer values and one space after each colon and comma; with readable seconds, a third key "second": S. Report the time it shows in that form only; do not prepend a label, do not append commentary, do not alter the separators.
{"hour": 2, "minute": 35}
